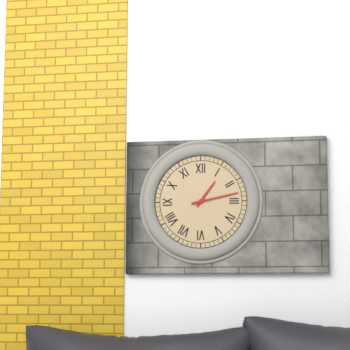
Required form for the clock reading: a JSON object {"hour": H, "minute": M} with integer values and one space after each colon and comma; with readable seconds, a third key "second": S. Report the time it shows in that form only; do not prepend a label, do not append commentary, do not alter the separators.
{"hour": 1, "minute": 13}
